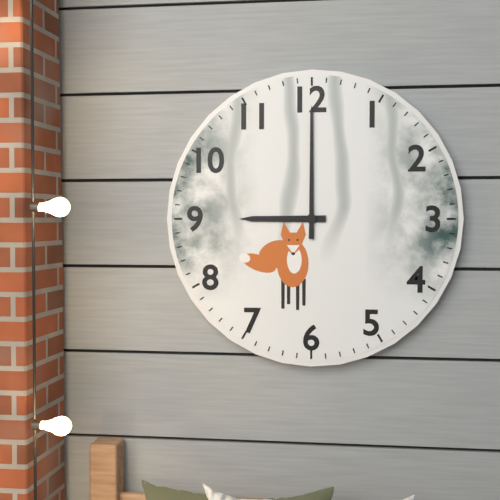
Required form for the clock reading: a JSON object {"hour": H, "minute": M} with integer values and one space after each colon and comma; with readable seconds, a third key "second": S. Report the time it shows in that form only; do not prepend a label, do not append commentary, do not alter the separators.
{"hour": 9, "minute": 0}
